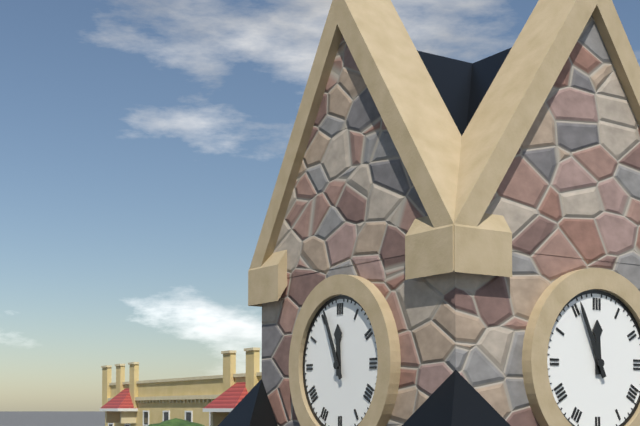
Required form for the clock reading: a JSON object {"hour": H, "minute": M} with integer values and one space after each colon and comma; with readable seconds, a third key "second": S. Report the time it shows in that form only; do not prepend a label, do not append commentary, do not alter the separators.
{"hour": 11, "minute": 56}
